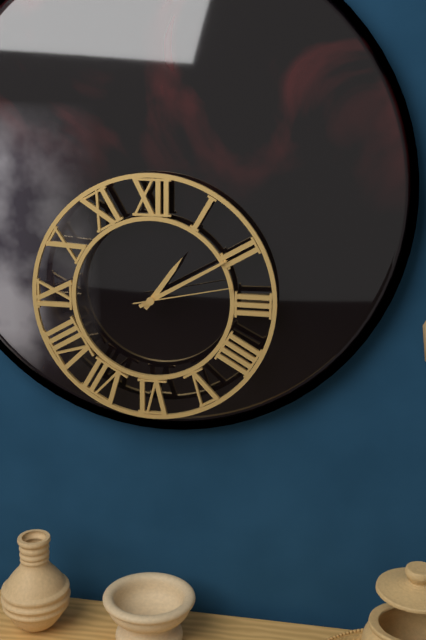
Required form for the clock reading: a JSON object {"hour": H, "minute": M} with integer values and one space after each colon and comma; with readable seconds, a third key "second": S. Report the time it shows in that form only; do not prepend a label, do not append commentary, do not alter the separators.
{"hour": 1, "minute": 10, "second": 13}
